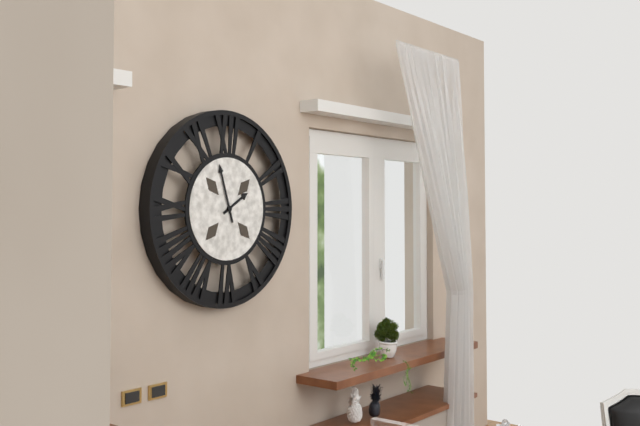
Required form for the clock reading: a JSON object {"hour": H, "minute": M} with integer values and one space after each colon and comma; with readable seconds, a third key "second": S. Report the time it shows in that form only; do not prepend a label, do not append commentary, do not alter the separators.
{"hour": 1, "minute": 57}
